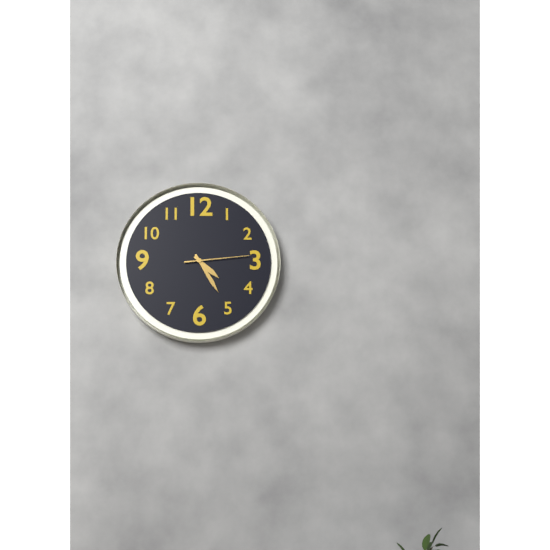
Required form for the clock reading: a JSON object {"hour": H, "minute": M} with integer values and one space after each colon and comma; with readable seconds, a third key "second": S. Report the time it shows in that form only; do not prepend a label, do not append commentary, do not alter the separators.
{"hour": 4, "minute": 25, "second": 14}
